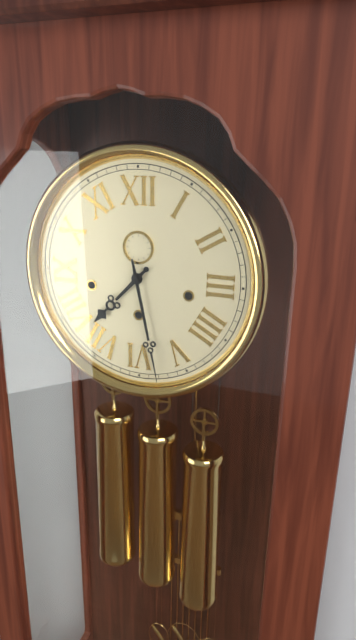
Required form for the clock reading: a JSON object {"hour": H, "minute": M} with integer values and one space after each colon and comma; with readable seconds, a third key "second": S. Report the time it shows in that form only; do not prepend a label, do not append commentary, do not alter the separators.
{"hour": 7, "minute": 28}
